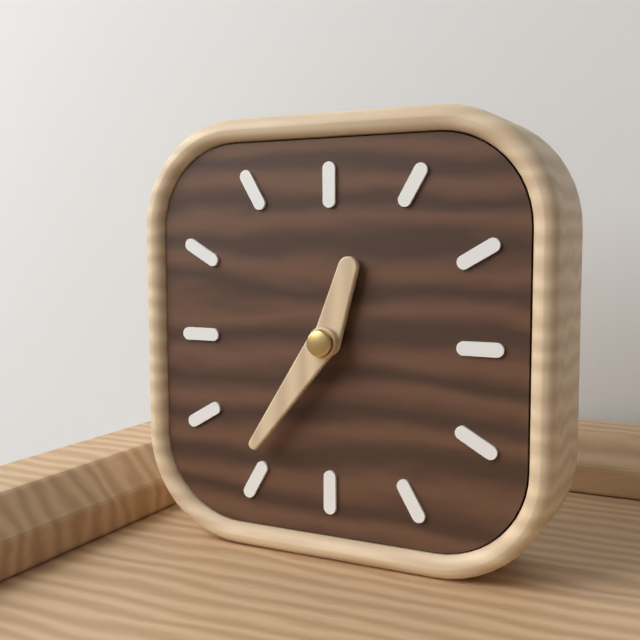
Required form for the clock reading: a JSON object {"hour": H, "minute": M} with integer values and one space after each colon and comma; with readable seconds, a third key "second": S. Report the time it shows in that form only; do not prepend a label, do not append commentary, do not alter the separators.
{"hour": 12, "minute": 36}
